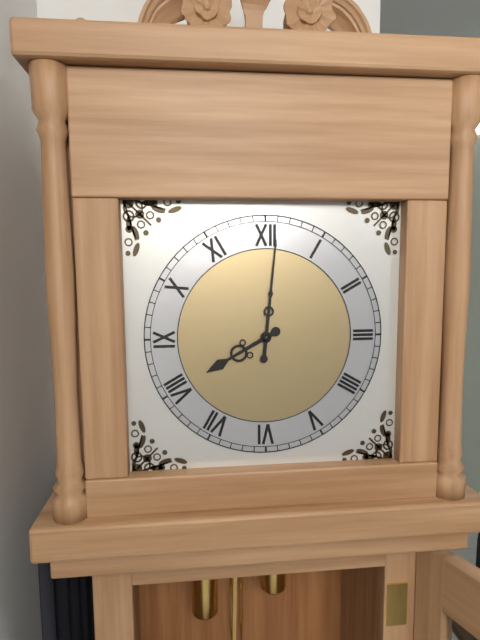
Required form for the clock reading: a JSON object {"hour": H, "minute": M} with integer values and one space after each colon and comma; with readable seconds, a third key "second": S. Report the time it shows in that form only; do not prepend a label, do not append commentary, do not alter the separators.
{"hour": 8, "minute": 1}
